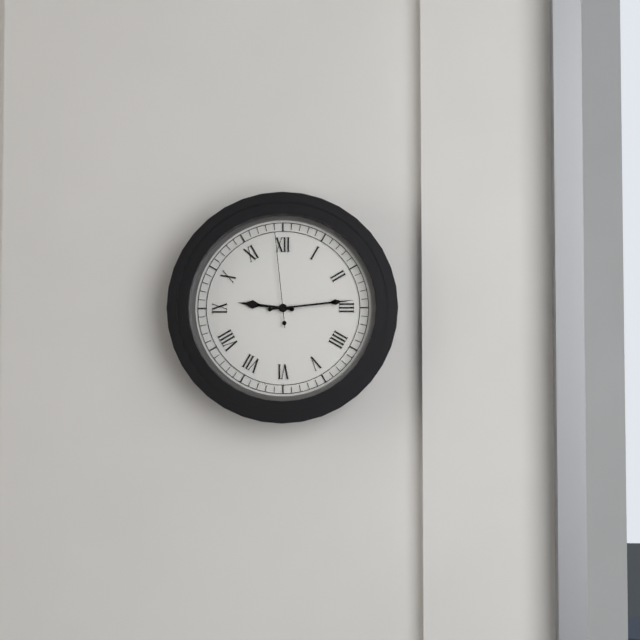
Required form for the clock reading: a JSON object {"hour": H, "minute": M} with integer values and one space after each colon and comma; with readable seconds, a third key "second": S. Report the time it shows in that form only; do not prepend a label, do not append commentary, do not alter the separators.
{"hour": 9, "minute": 14, "second": 59}
